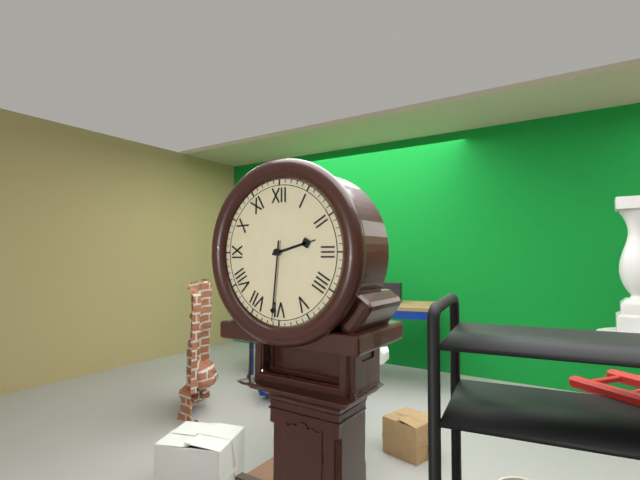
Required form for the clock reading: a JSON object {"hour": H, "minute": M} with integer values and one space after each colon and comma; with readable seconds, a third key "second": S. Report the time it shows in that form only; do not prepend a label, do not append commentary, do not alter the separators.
{"hour": 2, "minute": 31}
